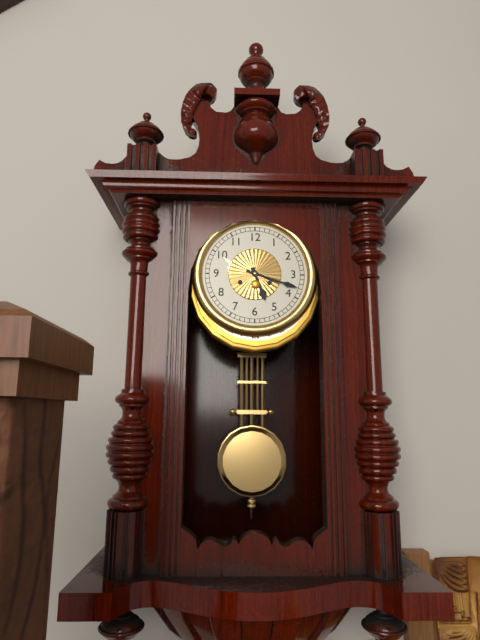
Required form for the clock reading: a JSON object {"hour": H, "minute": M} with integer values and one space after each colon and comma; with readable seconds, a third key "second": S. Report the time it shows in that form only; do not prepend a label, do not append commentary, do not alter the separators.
{"hour": 5, "minute": 18}
